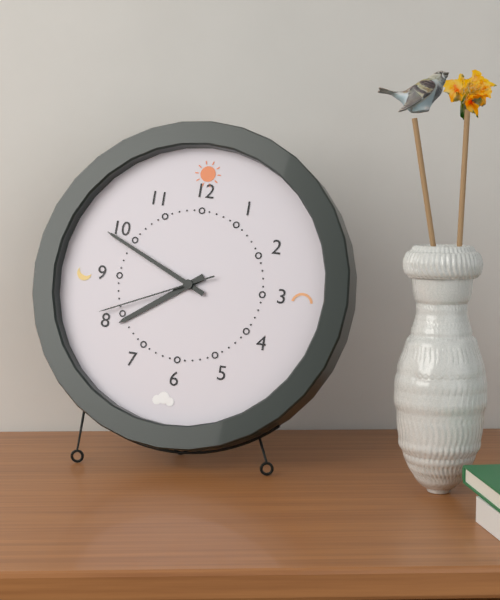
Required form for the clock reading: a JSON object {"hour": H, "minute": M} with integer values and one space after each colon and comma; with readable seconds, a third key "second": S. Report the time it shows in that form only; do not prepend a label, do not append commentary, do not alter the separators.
{"hour": 7, "minute": 49, "second": 41}
